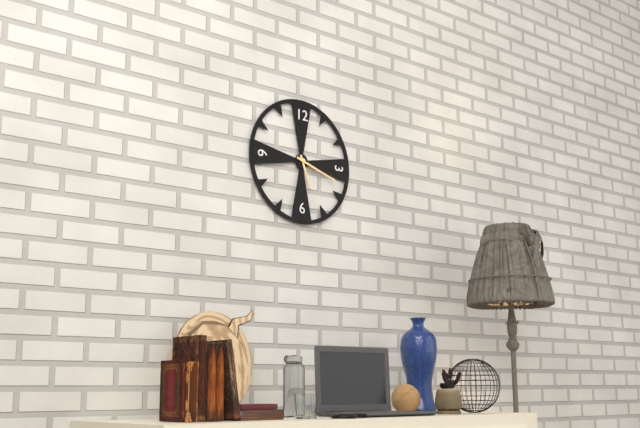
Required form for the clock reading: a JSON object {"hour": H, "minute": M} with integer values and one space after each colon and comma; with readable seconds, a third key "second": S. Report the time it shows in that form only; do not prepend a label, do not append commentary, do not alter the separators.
{"hour": 5, "minute": 18}
